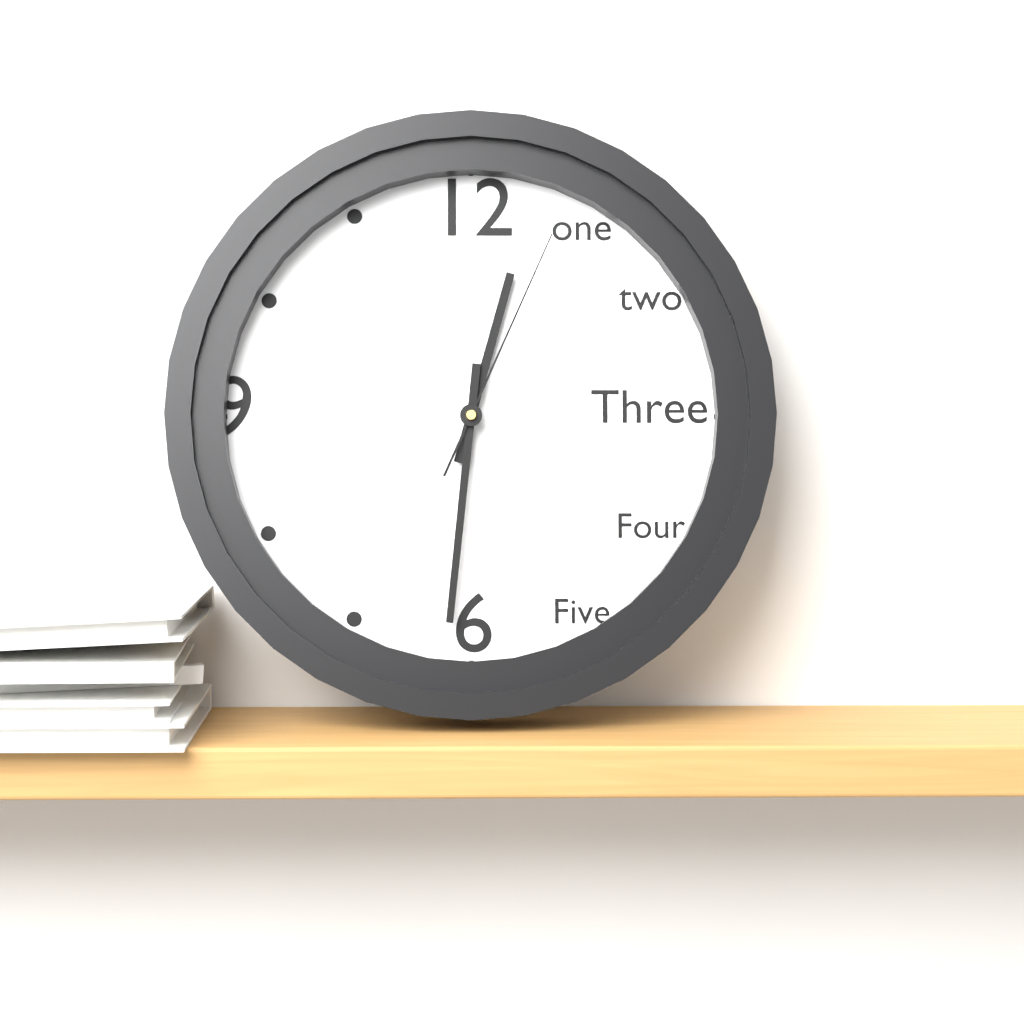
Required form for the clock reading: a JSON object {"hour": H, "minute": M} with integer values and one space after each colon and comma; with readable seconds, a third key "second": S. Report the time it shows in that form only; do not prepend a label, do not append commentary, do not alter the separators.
{"hour": 12, "minute": 31, "second": 4}
